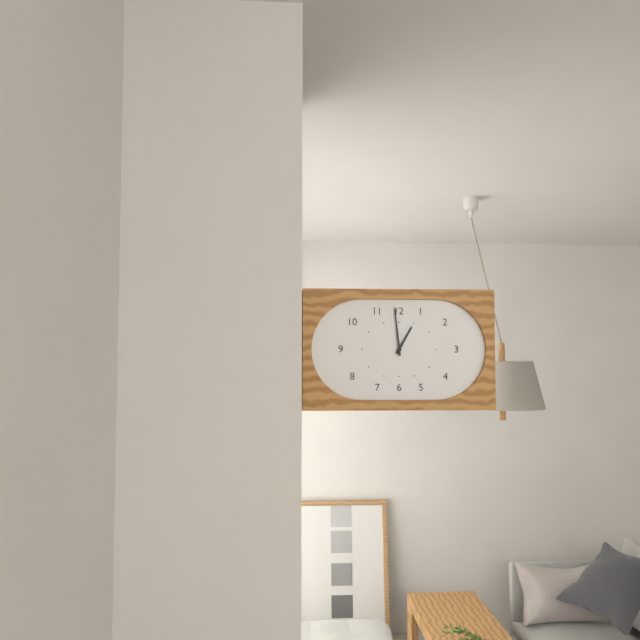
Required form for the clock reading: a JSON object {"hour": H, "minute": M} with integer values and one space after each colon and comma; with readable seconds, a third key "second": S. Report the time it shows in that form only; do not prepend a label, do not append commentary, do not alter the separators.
{"hour": 12, "minute": 59}
